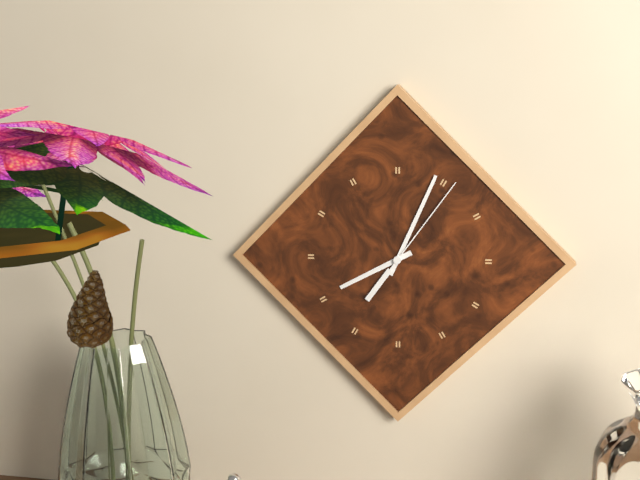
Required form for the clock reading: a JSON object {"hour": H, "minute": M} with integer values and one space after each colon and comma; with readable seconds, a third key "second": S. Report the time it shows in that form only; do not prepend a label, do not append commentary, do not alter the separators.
{"hour": 8, "minute": 4, "second": 6}
